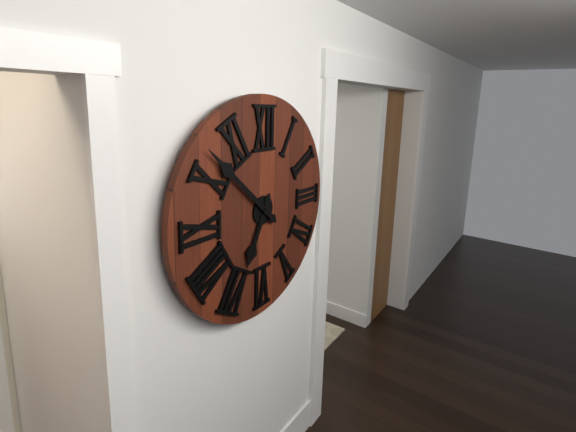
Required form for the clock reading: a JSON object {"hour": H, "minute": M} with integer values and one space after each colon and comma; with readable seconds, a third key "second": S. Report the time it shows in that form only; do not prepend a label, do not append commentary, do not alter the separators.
{"hour": 6, "minute": 52}
